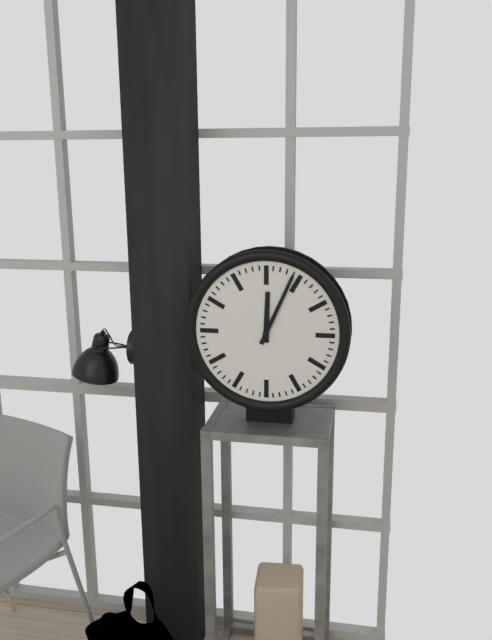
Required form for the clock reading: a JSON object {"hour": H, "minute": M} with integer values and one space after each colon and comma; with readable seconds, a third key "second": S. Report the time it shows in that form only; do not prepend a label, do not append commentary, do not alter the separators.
{"hour": 12, "minute": 4}
